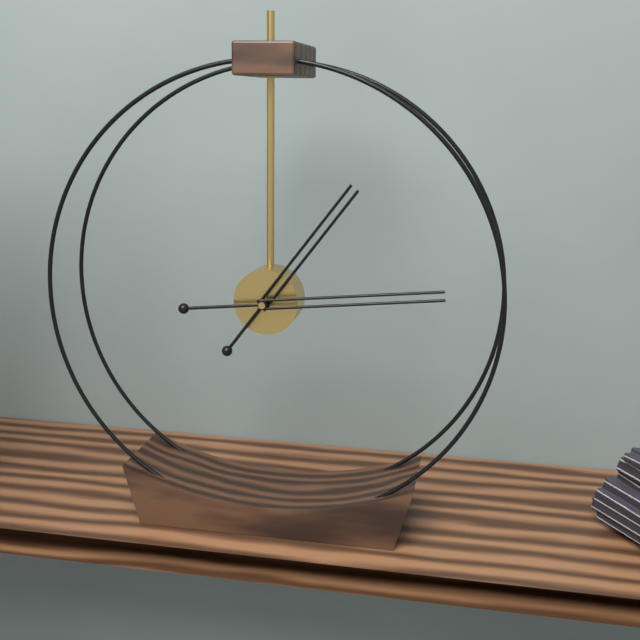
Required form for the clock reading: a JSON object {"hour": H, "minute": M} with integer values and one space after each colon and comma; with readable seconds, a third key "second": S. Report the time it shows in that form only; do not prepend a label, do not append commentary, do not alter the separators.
{"hour": 1, "minute": 14}
